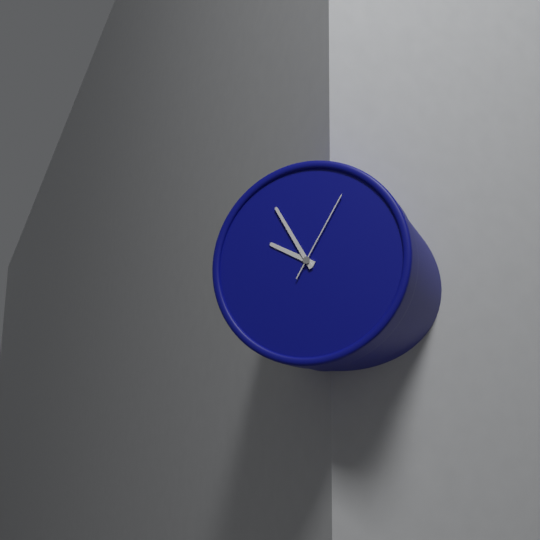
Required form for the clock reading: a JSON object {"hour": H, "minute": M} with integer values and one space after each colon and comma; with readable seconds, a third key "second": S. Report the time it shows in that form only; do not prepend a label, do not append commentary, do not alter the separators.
{"hour": 9, "minute": 55, "second": 5}
